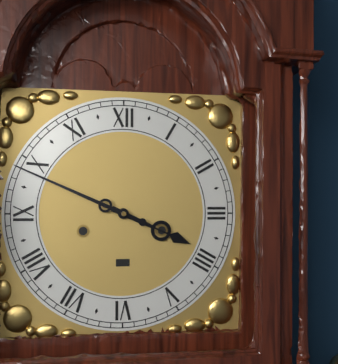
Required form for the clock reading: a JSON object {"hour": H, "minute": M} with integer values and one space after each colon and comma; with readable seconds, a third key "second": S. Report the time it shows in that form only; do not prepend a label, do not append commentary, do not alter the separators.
{"hour": 3, "minute": 49}
